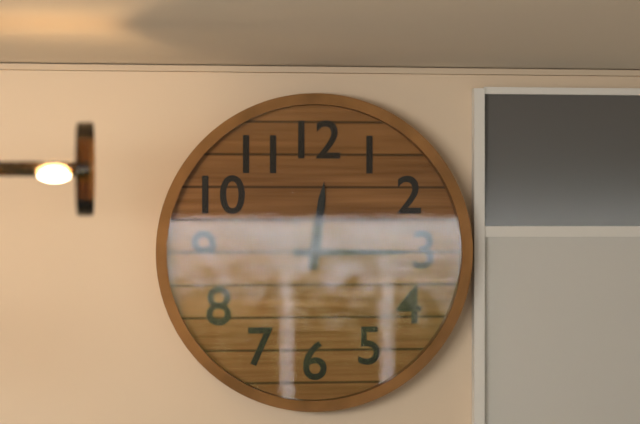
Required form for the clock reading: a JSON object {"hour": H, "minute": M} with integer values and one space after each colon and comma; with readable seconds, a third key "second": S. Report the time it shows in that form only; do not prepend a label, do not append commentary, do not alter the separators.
{"hour": 12, "minute": 15}
